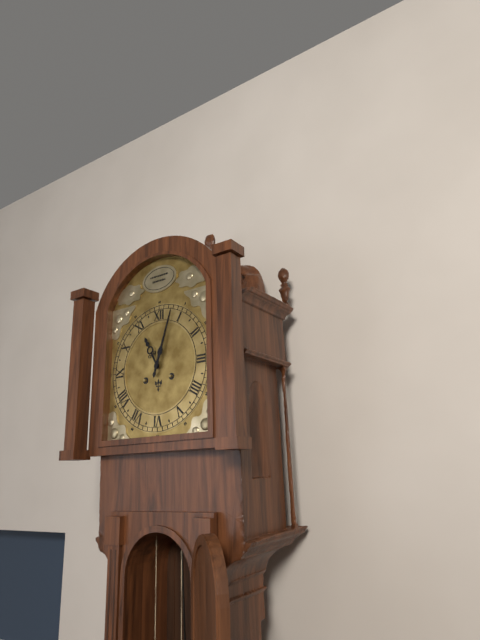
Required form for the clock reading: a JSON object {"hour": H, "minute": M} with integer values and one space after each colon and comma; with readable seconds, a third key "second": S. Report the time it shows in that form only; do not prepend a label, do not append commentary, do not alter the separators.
{"hour": 11, "minute": 3}
